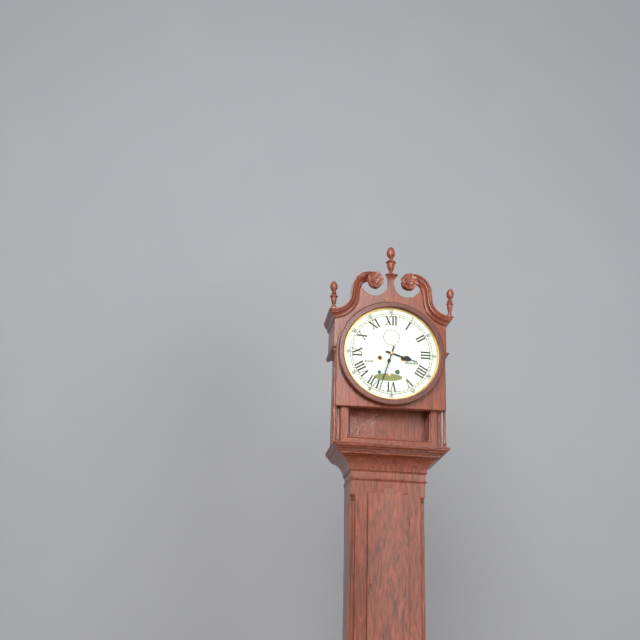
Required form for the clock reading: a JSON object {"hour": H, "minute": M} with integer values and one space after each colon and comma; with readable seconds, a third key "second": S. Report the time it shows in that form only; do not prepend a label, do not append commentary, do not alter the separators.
{"hour": 3, "minute": 33}
